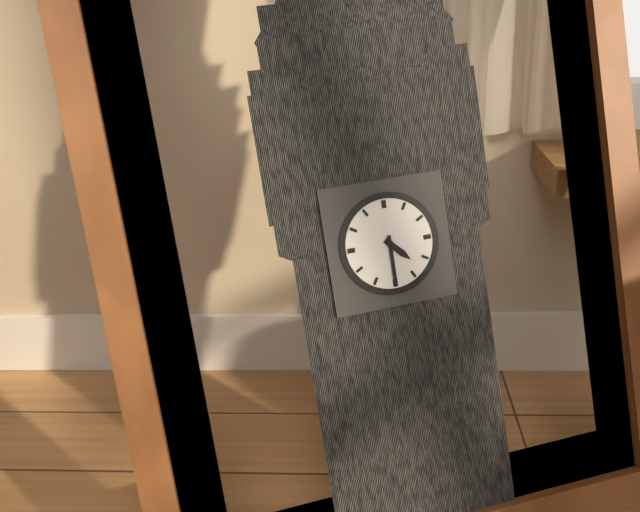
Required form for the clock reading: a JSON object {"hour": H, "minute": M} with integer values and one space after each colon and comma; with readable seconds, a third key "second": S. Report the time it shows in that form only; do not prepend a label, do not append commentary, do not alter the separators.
{"hour": 4, "minute": 30}
